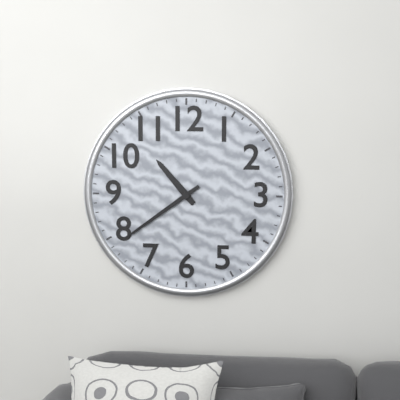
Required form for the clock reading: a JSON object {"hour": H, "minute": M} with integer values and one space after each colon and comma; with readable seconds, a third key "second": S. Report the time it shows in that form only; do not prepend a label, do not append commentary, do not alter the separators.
{"hour": 10, "minute": 39}
